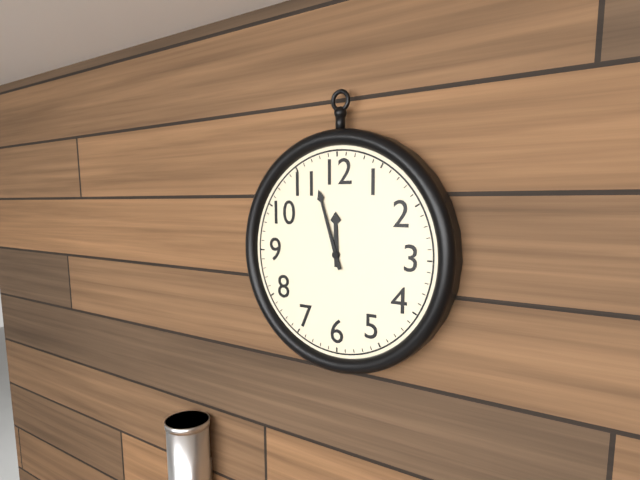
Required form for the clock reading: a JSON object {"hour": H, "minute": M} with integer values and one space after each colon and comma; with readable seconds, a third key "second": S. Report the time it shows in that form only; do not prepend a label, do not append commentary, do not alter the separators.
{"hour": 11, "minute": 57}
